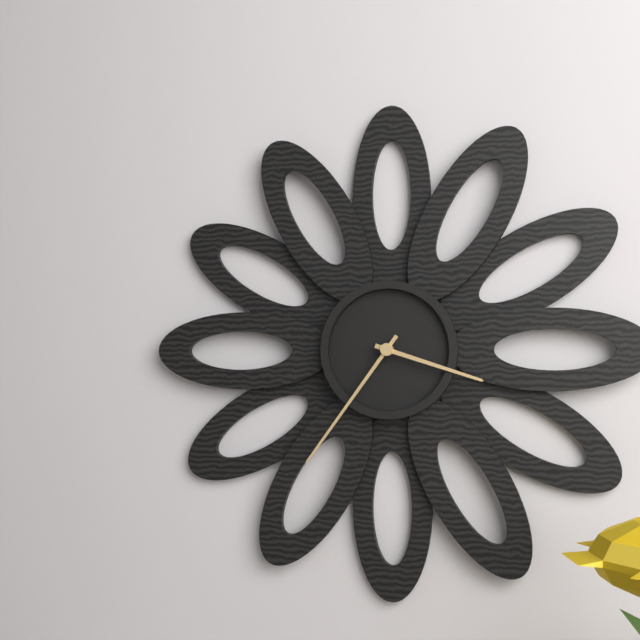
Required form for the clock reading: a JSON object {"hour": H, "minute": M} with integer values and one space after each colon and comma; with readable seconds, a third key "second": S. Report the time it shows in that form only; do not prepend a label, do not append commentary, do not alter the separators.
{"hour": 3, "minute": 36}
